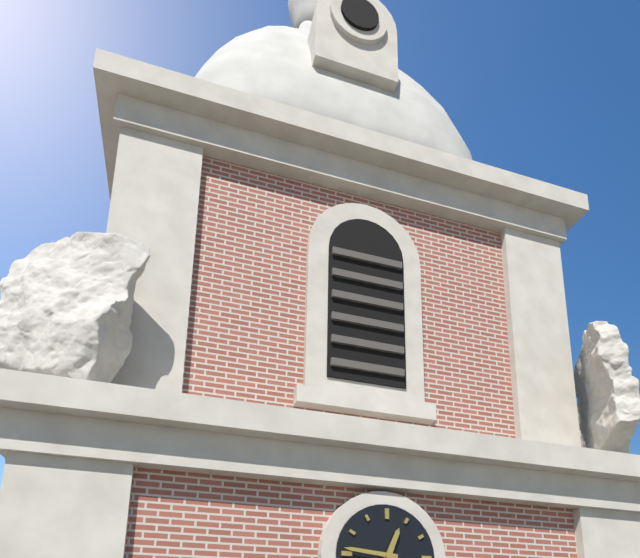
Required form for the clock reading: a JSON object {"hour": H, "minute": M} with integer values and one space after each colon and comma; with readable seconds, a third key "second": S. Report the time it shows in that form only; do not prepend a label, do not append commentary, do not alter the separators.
{"hour": 12, "minute": 46}
